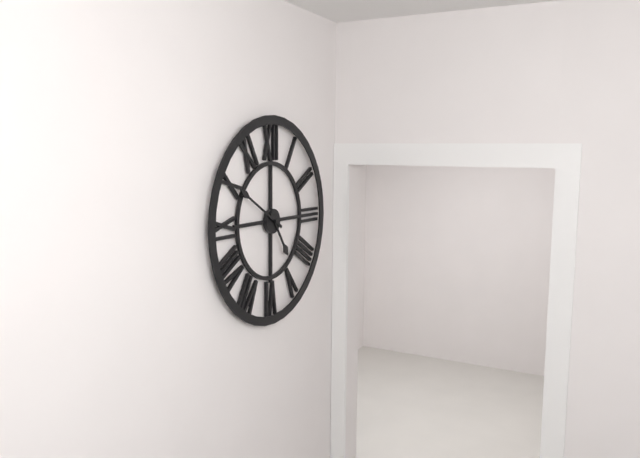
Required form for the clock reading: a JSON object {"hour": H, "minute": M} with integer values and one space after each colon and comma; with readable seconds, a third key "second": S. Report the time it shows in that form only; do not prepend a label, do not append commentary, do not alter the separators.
{"hour": 4, "minute": 50}
